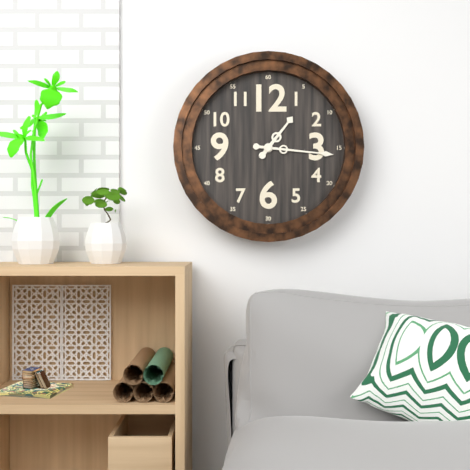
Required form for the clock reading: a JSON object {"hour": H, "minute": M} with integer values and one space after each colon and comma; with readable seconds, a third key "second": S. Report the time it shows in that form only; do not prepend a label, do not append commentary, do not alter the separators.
{"hour": 1, "minute": 16}
